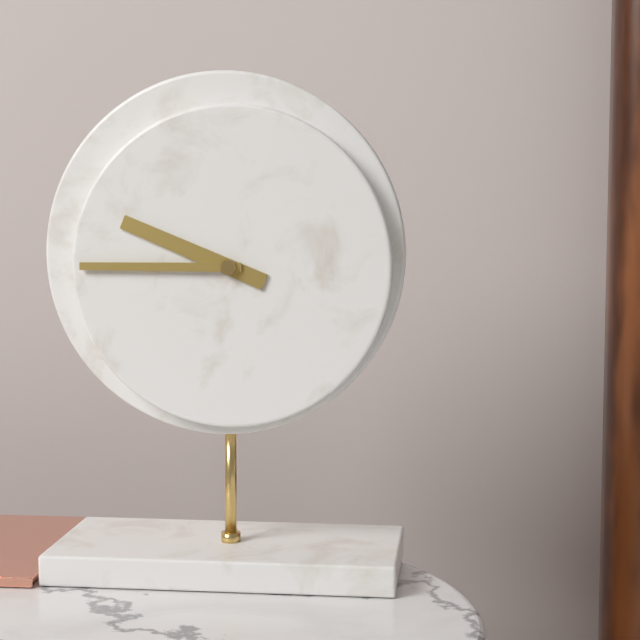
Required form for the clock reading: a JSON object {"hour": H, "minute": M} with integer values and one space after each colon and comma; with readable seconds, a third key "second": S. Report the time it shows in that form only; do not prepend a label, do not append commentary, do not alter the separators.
{"hour": 9, "minute": 45}
